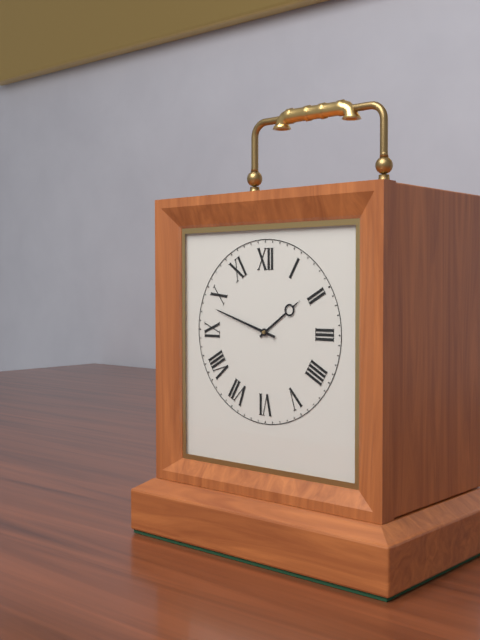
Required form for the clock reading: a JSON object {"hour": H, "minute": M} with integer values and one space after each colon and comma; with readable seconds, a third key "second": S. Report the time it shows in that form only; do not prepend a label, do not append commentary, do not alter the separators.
{"hour": 1, "minute": 48}
